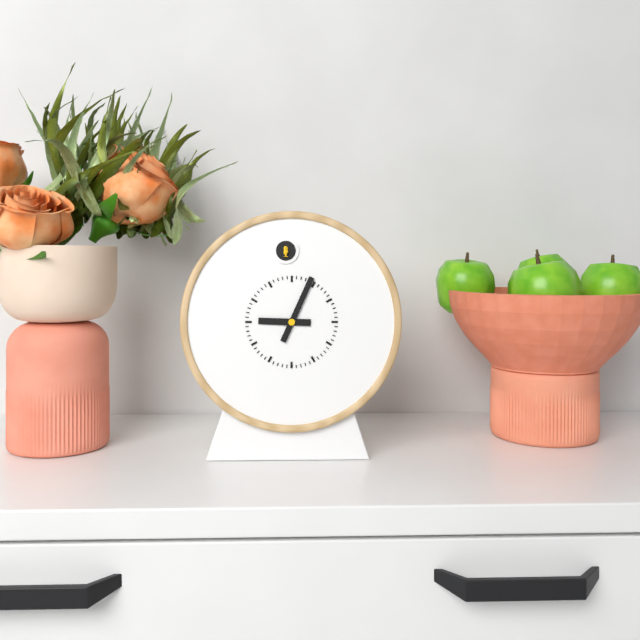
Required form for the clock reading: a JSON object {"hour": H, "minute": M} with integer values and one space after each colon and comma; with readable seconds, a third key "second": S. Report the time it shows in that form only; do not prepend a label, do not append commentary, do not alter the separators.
{"hour": 9, "minute": 4}
